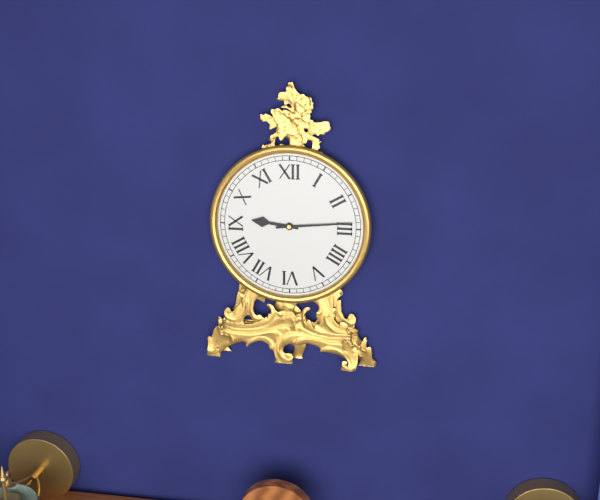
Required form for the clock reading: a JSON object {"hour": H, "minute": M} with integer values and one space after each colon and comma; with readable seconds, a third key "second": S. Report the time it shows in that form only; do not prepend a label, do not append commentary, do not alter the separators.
{"hour": 9, "minute": 14}
